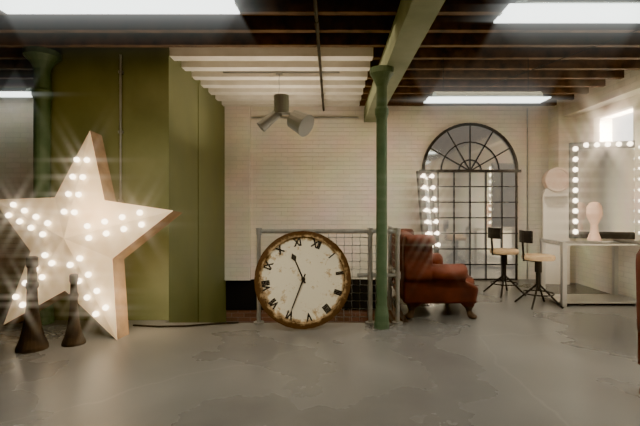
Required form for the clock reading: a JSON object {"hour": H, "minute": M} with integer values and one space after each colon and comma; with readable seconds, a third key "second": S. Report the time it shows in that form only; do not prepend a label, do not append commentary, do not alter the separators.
{"hour": 10, "minute": 30}
